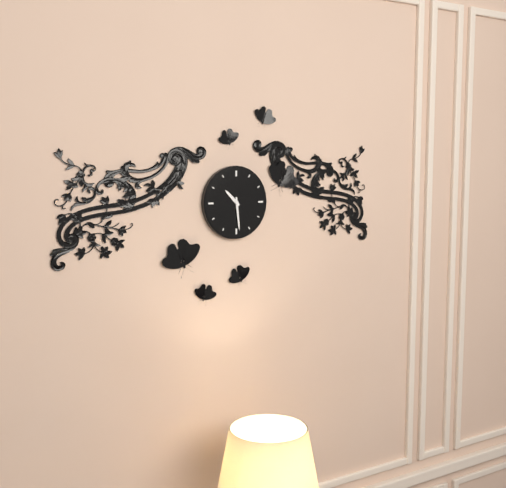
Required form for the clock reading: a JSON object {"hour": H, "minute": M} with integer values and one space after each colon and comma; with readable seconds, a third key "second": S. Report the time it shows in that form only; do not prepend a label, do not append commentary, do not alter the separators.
{"hour": 10, "minute": 29}
